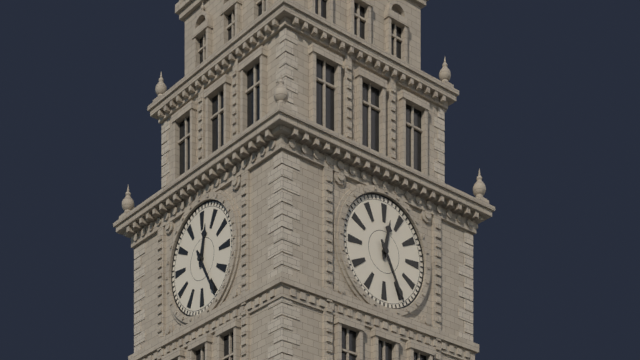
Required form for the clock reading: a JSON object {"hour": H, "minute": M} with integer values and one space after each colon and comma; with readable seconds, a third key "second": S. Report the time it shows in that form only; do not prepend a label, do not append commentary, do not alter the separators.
{"hour": 12, "minute": 25}
